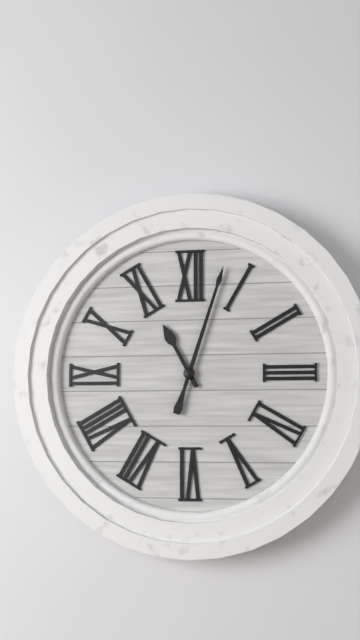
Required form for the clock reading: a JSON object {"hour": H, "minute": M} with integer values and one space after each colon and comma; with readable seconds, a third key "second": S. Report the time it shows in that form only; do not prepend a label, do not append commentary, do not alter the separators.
{"hour": 11, "minute": 3}
